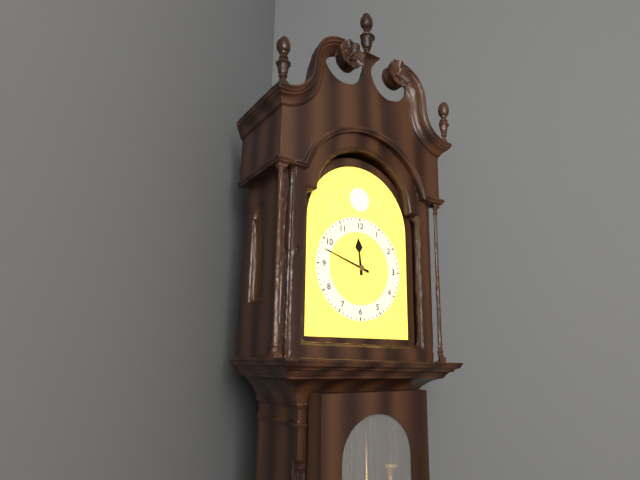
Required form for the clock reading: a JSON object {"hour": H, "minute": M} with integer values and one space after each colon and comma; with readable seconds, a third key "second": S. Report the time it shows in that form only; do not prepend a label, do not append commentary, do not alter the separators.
{"hour": 11, "minute": 48}
